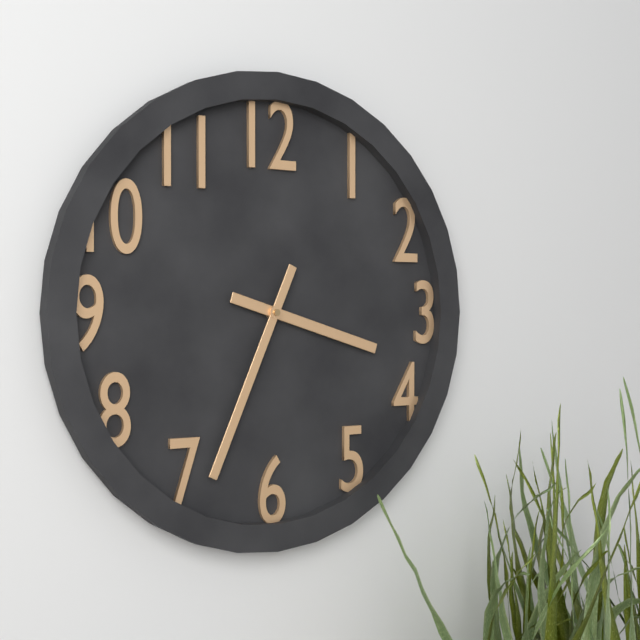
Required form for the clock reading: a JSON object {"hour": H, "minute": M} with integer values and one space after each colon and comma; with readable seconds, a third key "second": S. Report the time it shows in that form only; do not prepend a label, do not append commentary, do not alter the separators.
{"hour": 3, "minute": 34}
